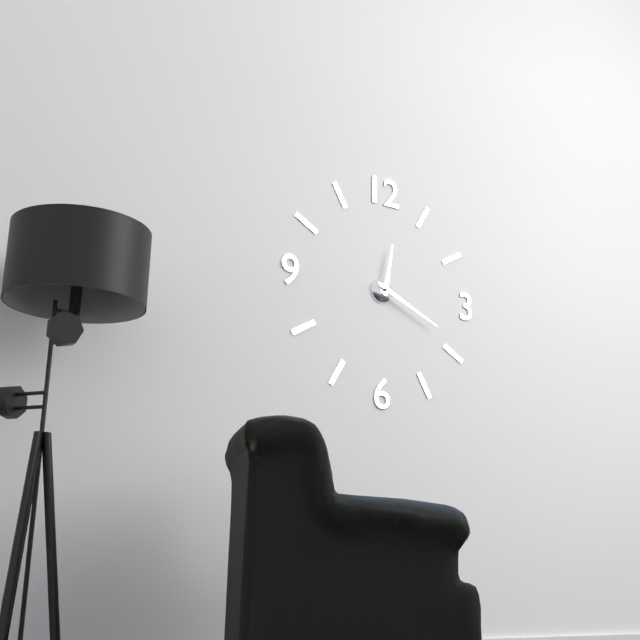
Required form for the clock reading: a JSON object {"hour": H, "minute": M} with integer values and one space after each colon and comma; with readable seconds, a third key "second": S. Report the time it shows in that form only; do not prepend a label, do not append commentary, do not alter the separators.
{"hour": 12, "minute": 19, "second": 19}
